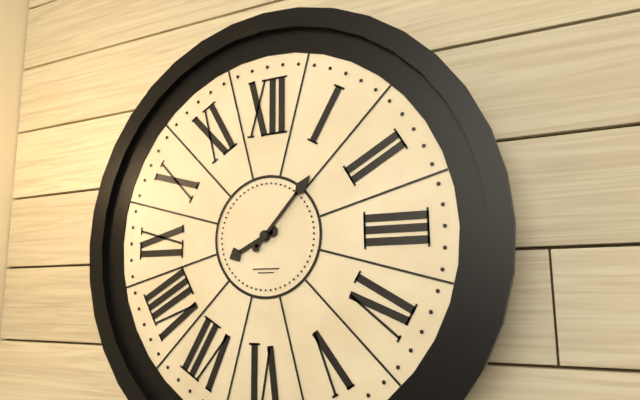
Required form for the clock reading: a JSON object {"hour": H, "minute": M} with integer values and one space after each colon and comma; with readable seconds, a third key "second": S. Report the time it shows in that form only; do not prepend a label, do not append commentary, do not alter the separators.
{"hour": 8, "minute": 7}
